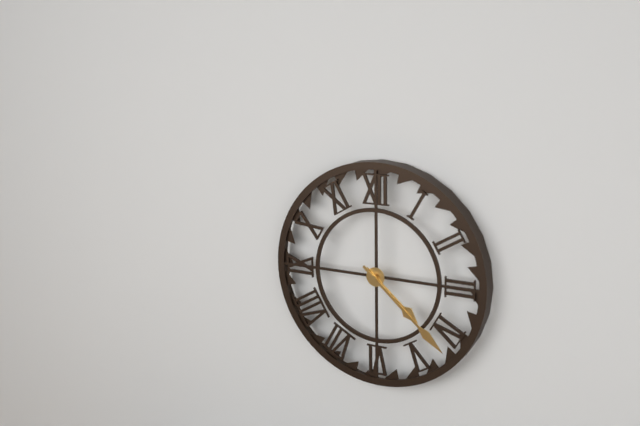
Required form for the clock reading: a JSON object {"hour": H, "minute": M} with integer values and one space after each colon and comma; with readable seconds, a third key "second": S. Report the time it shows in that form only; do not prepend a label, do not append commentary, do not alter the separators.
{"hour": 4, "minute": 22}
